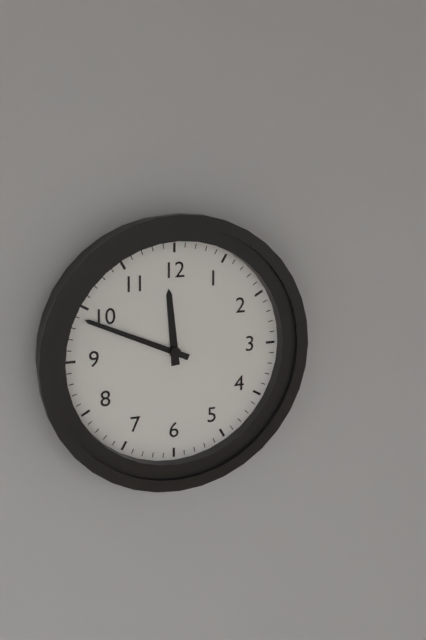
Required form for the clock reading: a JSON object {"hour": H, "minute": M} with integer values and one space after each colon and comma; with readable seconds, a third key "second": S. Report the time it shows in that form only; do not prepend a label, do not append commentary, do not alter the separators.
{"hour": 11, "minute": 49}
